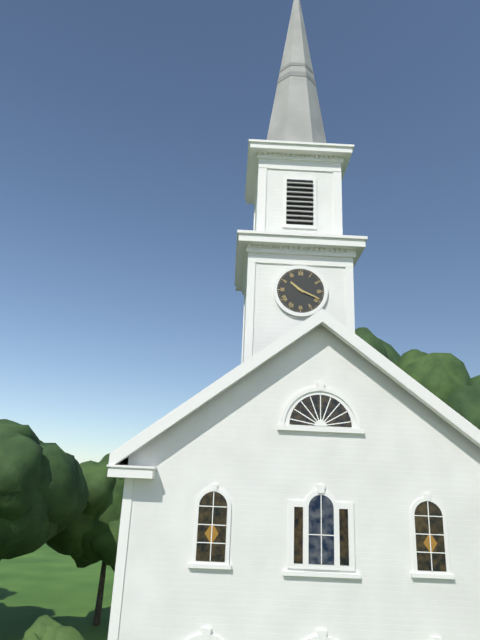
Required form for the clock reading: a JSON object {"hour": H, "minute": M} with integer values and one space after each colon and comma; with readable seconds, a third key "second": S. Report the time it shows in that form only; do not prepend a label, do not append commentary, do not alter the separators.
{"hour": 10, "minute": 19}
